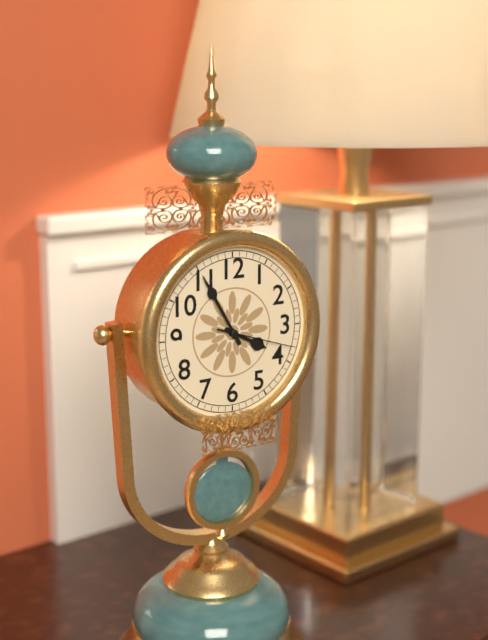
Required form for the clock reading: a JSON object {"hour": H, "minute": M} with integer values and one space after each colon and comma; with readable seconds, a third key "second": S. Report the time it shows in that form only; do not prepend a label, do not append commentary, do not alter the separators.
{"hour": 3, "minute": 55, "second": 18}
